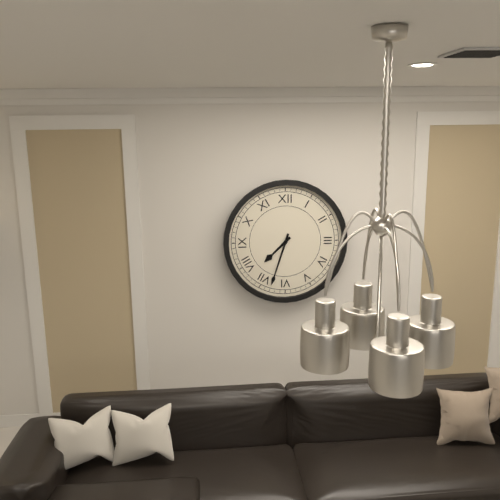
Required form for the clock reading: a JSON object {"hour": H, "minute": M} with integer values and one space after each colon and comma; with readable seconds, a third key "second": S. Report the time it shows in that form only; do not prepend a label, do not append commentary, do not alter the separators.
{"hour": 7, "minute": 33}
